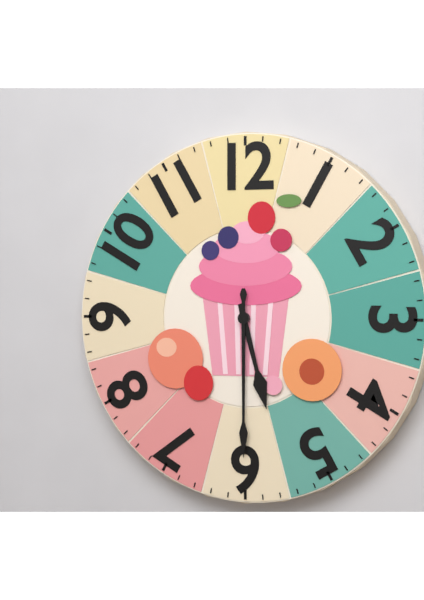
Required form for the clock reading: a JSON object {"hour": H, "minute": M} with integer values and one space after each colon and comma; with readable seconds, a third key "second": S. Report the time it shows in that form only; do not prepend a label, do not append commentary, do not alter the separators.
{"hour": 5, "minute": 30}
